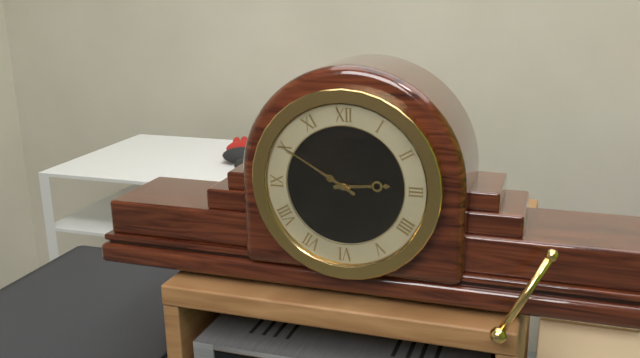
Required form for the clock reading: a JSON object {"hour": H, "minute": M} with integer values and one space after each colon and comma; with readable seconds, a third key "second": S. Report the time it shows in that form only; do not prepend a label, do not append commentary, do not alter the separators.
{"hour": 2, "minute": 50}
